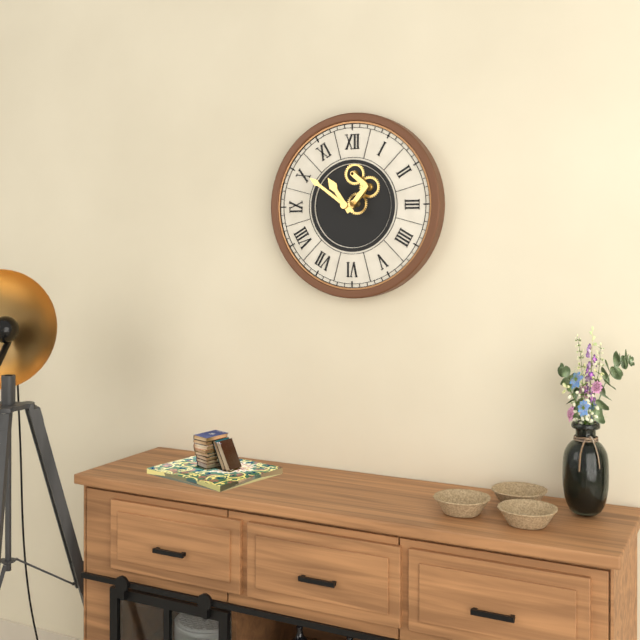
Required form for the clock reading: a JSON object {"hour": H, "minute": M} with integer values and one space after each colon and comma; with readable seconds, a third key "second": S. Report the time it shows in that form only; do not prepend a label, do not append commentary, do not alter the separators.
{"hour": 10, "minute": 51}
